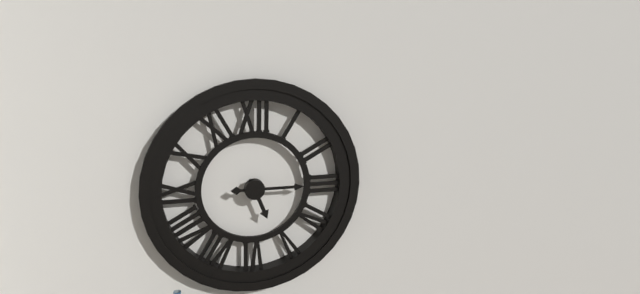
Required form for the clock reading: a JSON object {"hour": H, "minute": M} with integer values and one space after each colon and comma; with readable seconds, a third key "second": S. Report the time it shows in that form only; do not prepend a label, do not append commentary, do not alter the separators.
{"hour": 5, "minute": 15}
